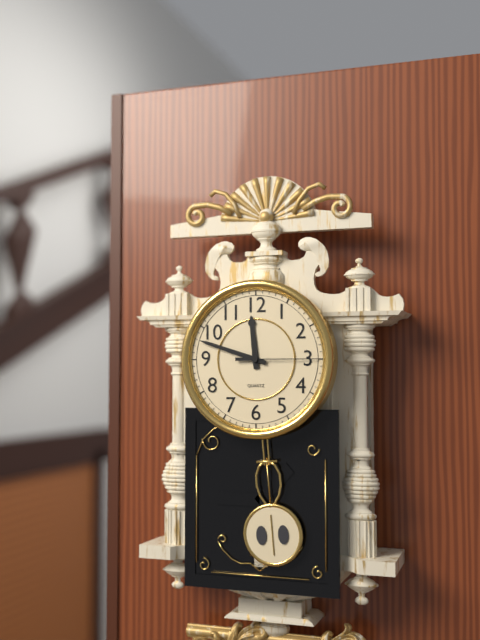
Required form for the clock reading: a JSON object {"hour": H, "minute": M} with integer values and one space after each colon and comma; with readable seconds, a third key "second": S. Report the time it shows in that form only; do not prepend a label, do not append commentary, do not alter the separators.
{"hour": 11, "minute": 48, "second": 15}
